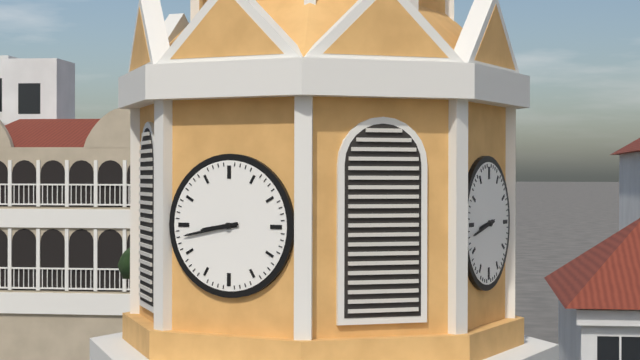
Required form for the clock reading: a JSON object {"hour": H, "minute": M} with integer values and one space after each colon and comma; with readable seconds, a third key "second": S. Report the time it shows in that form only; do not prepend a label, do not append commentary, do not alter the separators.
{"hour": 8, "minute": 43}
